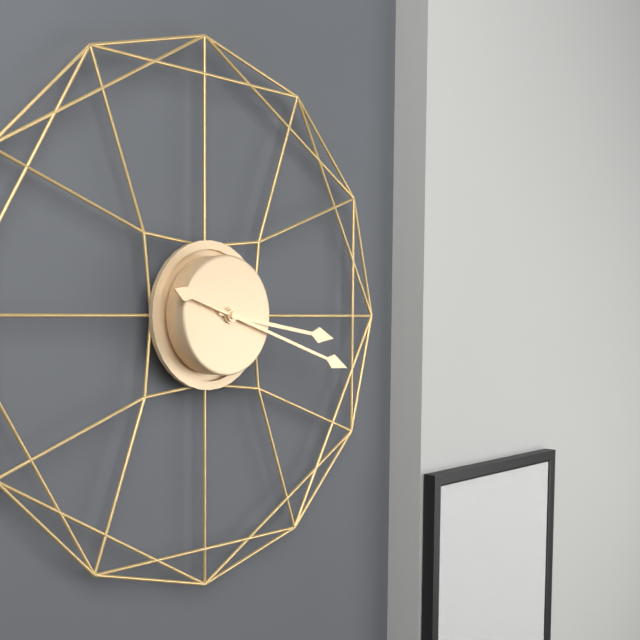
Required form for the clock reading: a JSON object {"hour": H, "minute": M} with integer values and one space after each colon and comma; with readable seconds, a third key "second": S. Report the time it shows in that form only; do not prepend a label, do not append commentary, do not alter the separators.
{"hour": 3, "minute": 18}
